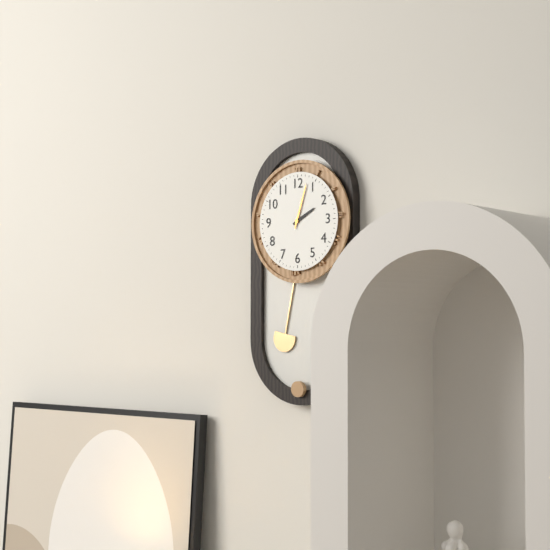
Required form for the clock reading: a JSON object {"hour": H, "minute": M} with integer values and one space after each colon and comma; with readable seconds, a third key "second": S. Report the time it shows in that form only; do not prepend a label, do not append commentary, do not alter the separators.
{"hour": 2, "minute": 3}
